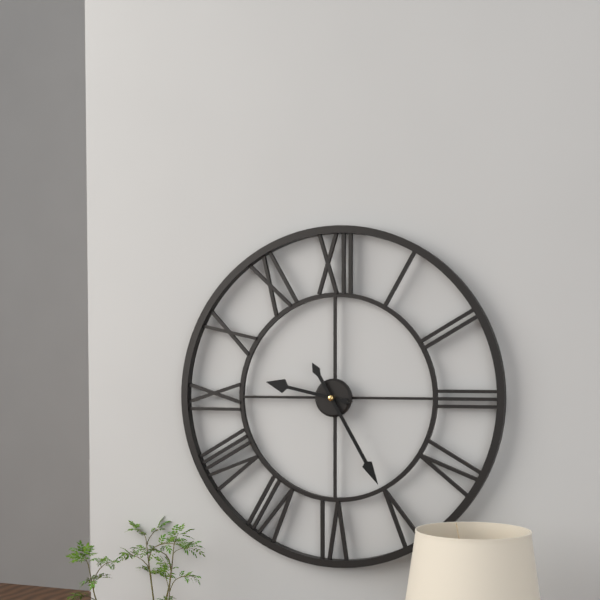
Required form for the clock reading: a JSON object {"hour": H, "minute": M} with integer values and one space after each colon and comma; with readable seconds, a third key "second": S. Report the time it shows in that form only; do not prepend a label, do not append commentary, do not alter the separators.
{"hour": 9, "minute": 25}
